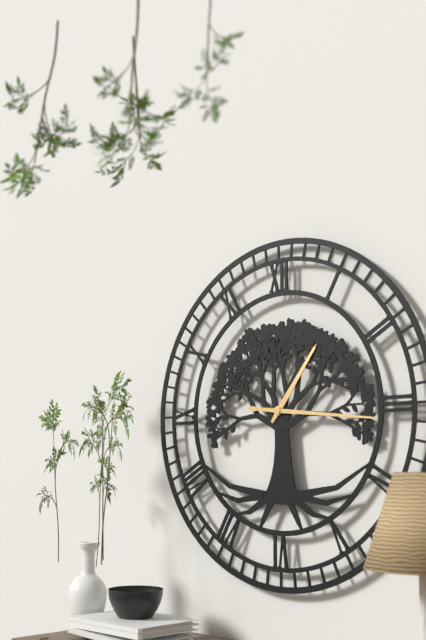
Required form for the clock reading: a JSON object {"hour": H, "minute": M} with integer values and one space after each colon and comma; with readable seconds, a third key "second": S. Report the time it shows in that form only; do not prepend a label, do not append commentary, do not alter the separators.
{"hour": 1, "minute": 16}
